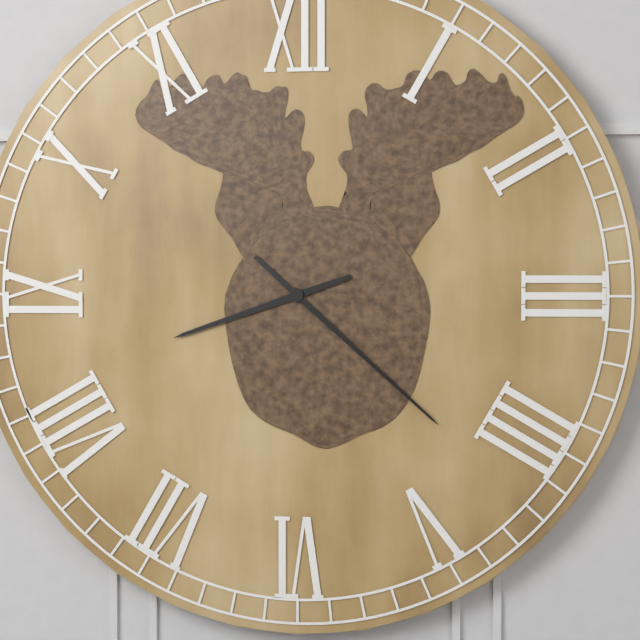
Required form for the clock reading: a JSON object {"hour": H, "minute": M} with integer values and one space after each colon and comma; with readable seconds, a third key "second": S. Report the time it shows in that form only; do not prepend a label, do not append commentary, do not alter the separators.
{"hour": 8, "minute": 22}
